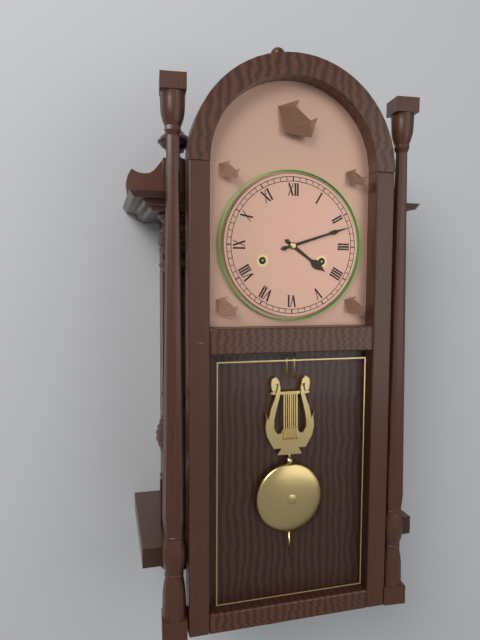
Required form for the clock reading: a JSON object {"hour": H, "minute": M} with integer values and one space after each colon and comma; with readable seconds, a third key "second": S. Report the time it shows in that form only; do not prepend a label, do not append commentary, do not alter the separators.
{"hour": 4, "minute": 12}
